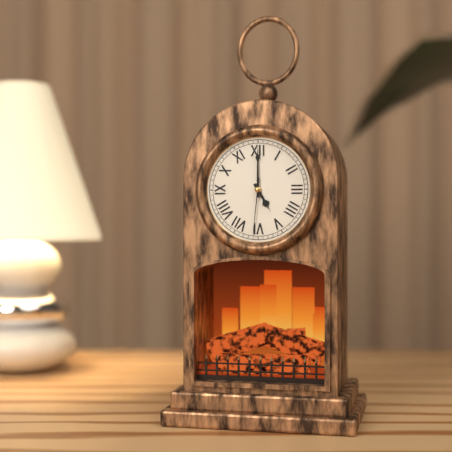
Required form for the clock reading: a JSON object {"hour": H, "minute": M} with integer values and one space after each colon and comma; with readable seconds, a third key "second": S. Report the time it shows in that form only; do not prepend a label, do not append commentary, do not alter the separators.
{"hour": 5, "minute": 0, "second": 31}
